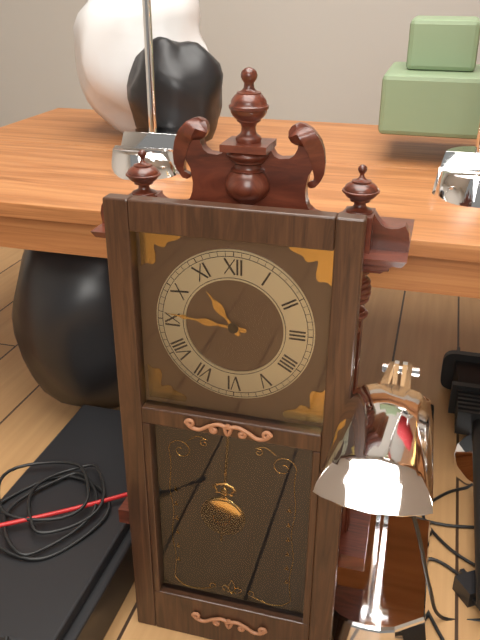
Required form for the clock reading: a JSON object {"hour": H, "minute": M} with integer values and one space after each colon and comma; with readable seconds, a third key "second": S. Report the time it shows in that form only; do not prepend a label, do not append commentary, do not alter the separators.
{"hour": 10, "minute": 46}
